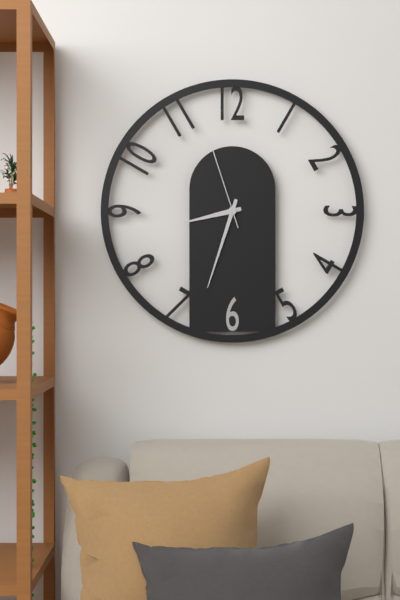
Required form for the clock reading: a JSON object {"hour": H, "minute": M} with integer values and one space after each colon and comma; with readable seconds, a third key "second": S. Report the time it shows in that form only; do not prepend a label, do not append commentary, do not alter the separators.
{"hour": 8, "minute": 33, "second": 57}
